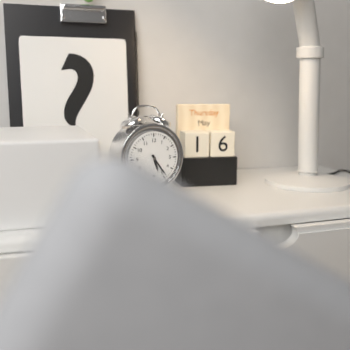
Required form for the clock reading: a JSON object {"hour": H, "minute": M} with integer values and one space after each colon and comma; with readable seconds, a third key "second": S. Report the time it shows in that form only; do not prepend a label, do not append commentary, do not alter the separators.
{"hour": 5, "minute": 24}
